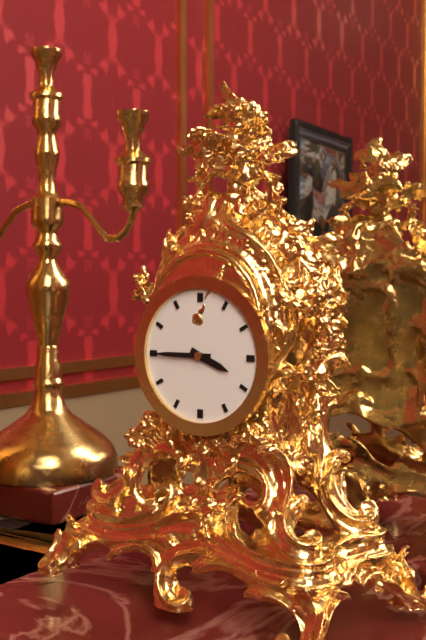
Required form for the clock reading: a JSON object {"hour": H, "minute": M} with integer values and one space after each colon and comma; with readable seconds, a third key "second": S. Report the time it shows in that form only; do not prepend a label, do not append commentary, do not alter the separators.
{"hour": 3, "minute": 45}
